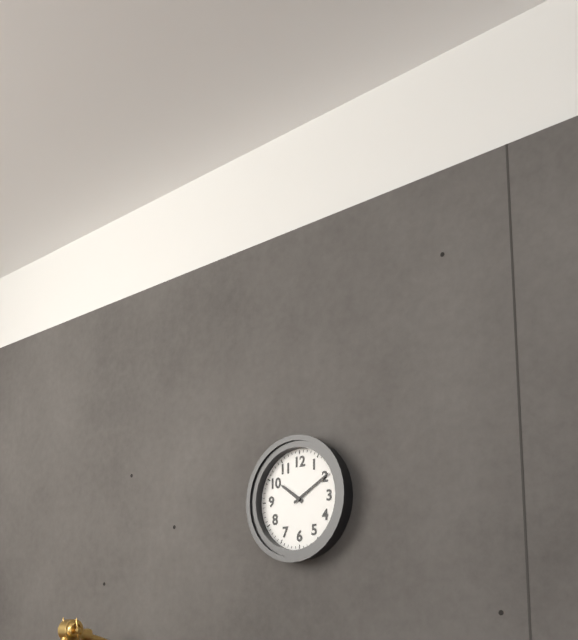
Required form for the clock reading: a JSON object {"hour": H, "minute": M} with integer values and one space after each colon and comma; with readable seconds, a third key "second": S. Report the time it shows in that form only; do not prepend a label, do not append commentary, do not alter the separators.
{"hour": 10, "minute": 10}
